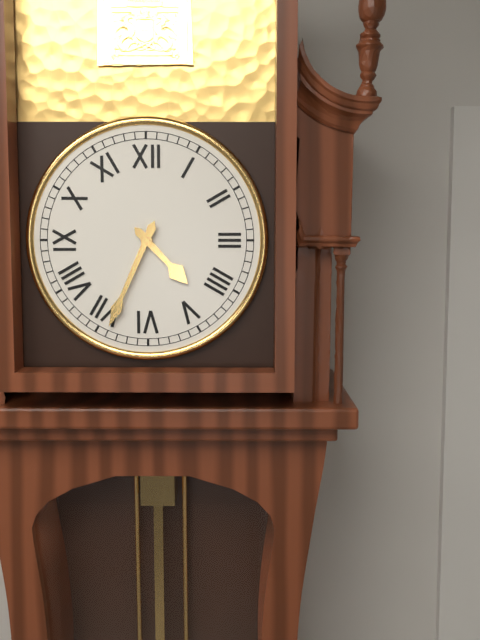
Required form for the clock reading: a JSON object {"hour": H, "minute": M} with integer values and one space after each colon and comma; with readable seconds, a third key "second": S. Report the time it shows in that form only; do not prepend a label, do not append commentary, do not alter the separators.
{"hour": 4, "minute": 34}
